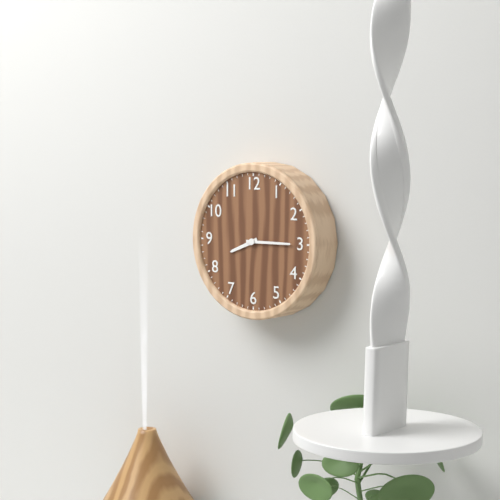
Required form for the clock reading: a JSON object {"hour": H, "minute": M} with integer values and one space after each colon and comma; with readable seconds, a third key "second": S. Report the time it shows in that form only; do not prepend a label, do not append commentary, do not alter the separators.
{"hour": 8, "minute": 15}
